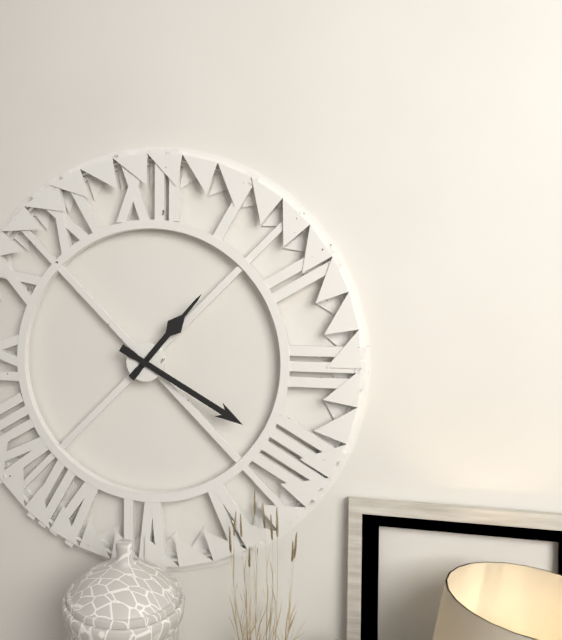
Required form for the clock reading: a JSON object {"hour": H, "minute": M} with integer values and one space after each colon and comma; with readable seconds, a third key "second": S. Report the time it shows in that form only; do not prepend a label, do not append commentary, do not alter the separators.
{"hour": 1, "minute": 20}
